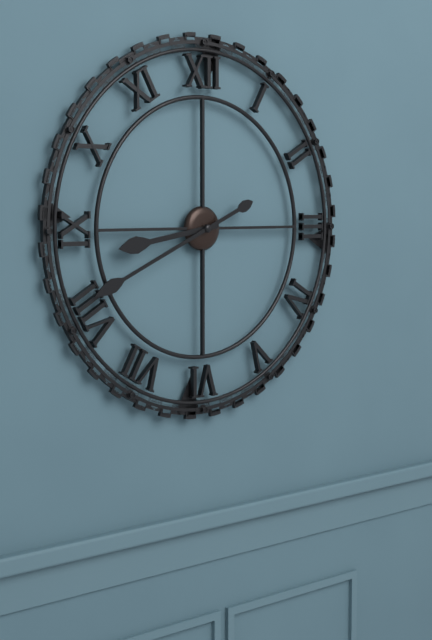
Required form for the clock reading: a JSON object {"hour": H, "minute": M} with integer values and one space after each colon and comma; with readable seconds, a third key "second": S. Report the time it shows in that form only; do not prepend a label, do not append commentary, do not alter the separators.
{"hour": 8, "minute": 41}
